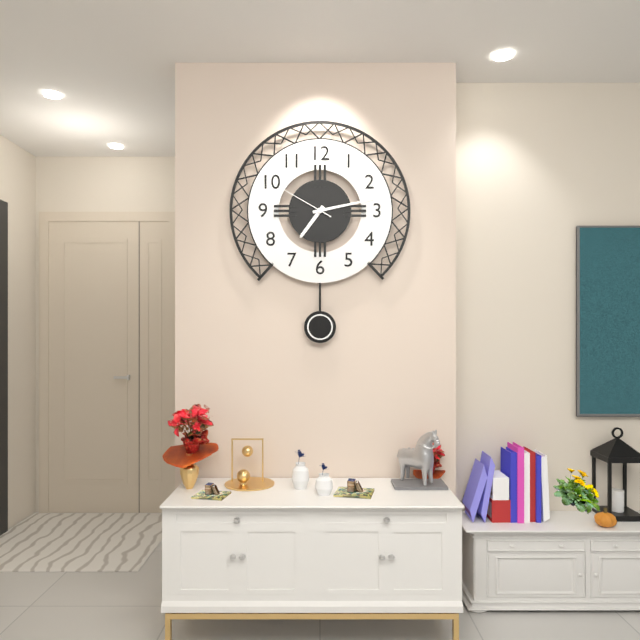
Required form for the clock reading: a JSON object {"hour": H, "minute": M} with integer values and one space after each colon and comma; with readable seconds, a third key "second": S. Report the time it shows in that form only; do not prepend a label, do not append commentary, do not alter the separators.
{"hour": 7, "minute": 13, "second": 50}
